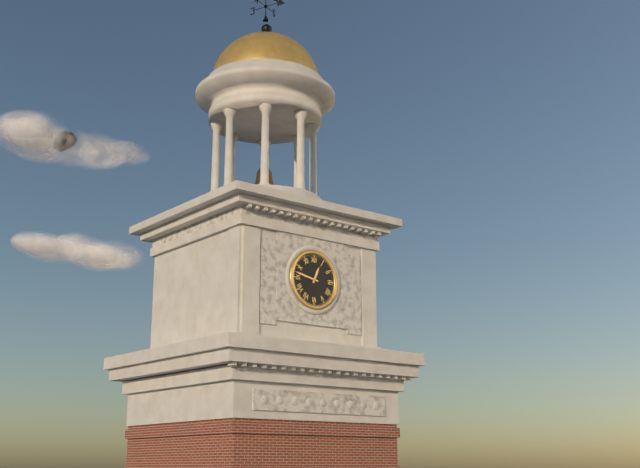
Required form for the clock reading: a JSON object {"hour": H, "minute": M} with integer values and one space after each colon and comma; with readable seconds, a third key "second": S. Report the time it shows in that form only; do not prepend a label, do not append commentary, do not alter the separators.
{"hour": 12, "minute": 47}
